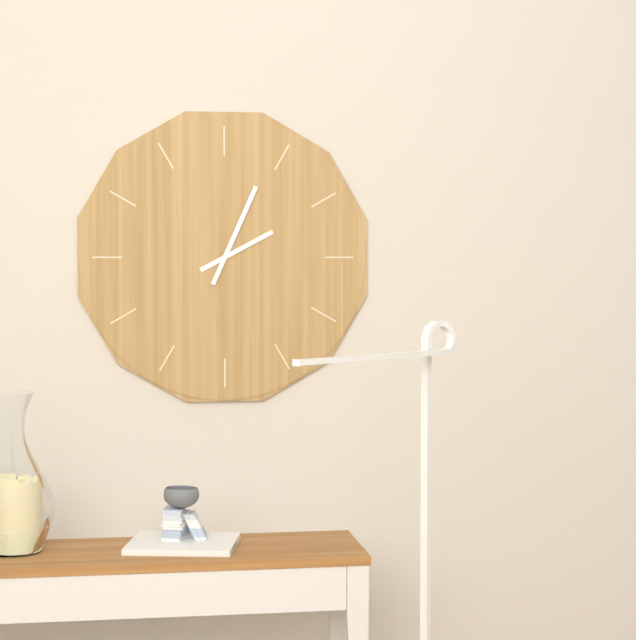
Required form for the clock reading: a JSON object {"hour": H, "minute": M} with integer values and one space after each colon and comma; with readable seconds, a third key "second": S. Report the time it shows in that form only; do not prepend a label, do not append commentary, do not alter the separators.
{"hour": 2, "minute": 4}
